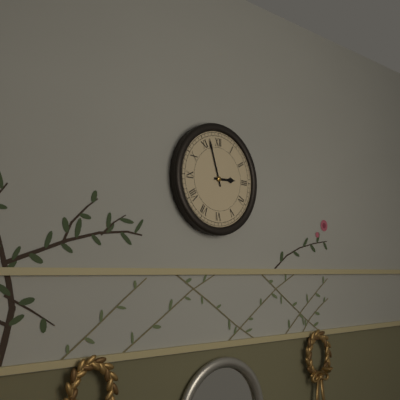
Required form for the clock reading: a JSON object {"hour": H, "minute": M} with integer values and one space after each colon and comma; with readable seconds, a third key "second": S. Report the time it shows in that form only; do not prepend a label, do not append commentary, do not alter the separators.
{"hour": 2, "minute": 57}
